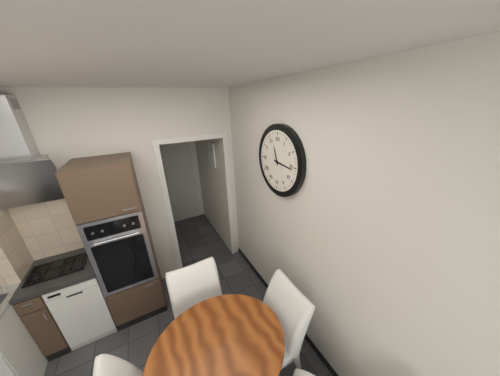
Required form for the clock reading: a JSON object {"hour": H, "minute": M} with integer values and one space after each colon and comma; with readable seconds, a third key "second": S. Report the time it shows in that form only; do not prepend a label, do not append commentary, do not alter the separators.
{"hour": 11, "minute": 16}
